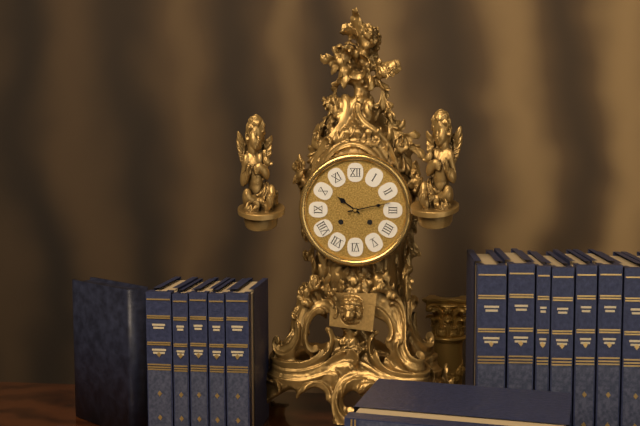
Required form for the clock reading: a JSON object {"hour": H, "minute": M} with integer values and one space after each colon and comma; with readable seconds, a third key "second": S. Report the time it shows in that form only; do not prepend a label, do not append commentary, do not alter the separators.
{"hour": 10, "minute": 13}
